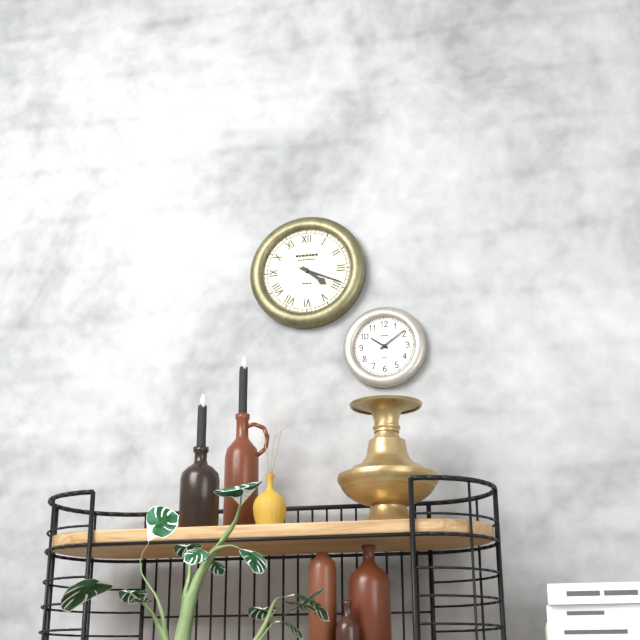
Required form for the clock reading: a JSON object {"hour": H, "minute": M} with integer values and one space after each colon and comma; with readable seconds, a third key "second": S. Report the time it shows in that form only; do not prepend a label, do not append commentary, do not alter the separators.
{"hour": 4, "minute": 19}
